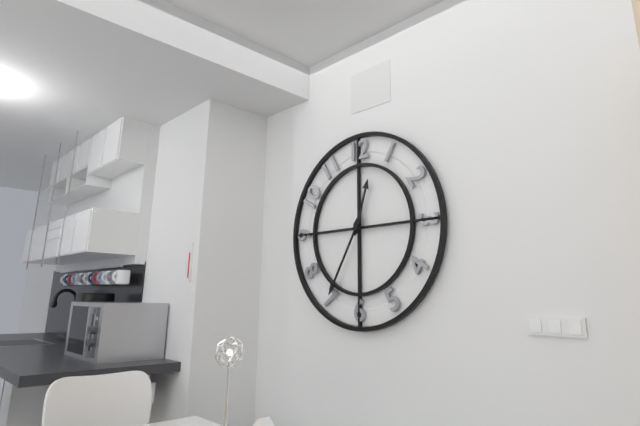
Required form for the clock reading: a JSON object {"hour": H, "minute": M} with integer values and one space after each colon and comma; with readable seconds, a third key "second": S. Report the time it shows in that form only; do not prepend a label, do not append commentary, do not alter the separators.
{"hour": 12, "minute": 35}
